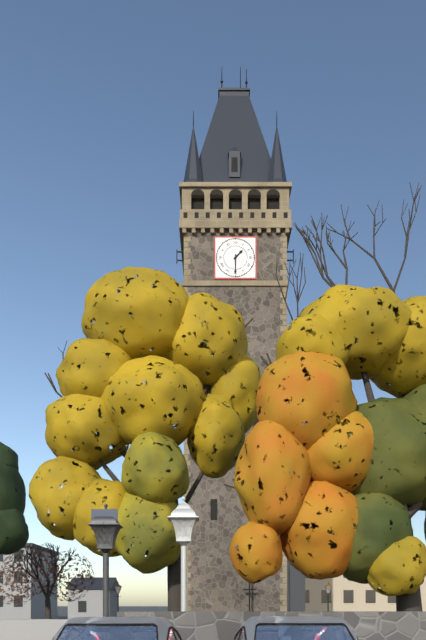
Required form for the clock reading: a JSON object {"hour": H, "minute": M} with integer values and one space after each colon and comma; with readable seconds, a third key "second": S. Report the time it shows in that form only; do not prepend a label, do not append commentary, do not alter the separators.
{"hour": 1, "minute": 30}
